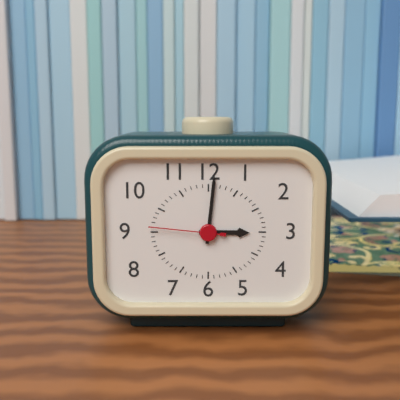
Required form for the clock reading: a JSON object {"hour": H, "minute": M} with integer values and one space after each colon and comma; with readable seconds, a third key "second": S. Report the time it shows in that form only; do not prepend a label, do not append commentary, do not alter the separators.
{"hour": 3, "minute": 1, "second": 46}
